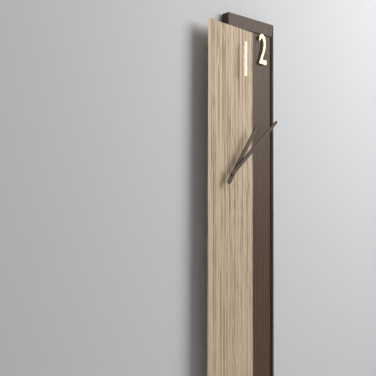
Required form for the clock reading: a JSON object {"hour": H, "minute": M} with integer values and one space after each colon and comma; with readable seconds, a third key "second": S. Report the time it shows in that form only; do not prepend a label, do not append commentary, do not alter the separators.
{"hour": 1, "minute": 8}
